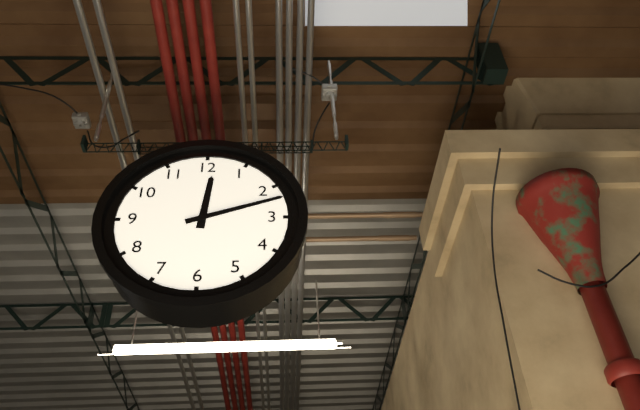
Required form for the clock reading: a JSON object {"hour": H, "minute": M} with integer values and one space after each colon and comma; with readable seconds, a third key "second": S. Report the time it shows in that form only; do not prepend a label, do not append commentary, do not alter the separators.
{"hour": 12, "minute": 12}
